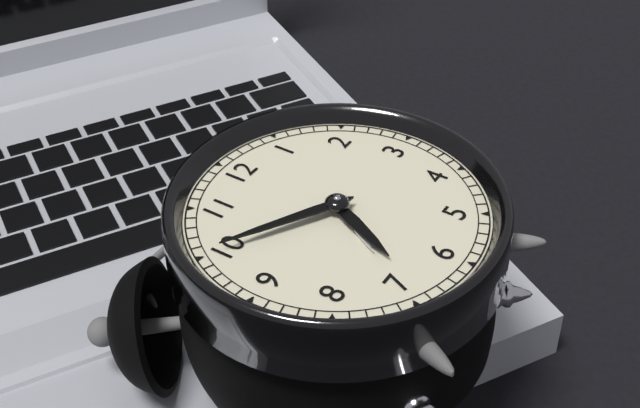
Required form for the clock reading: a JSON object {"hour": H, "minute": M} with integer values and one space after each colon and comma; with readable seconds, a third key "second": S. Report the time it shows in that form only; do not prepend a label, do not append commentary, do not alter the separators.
{"hour": 6, "minute": 50}
